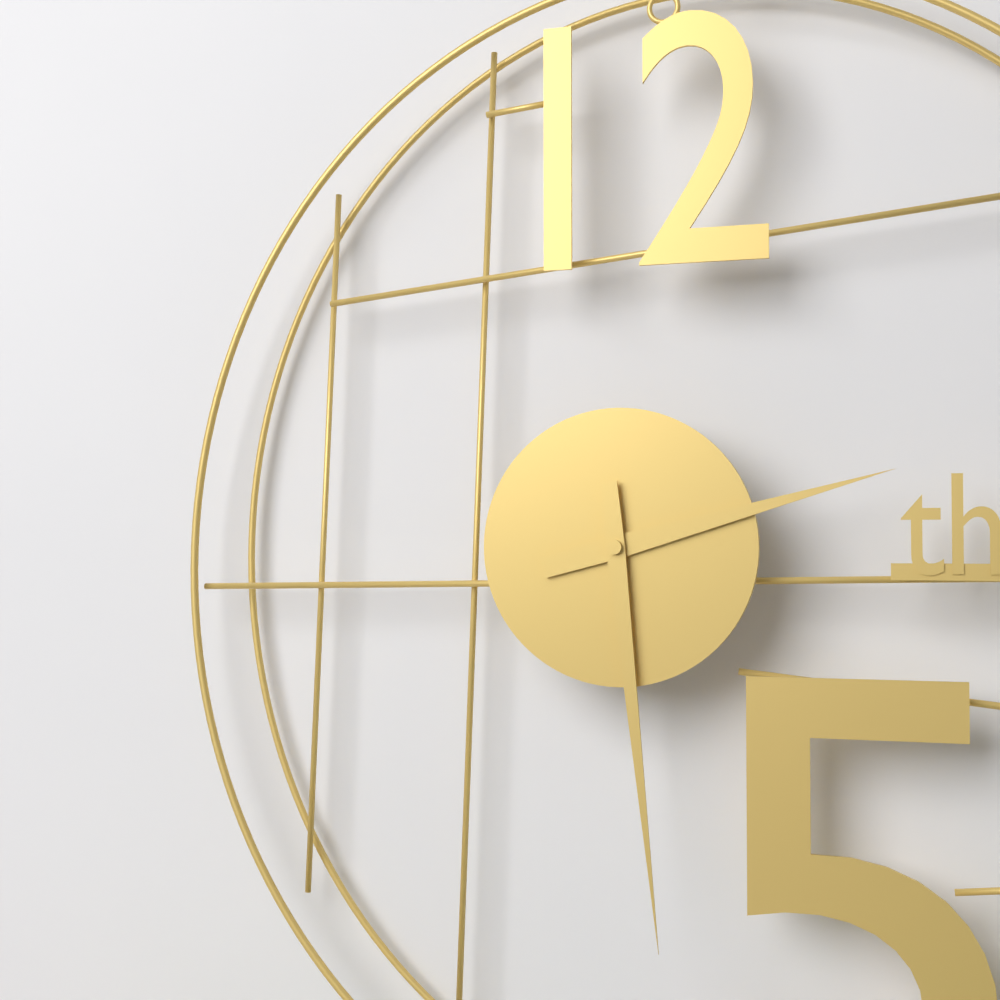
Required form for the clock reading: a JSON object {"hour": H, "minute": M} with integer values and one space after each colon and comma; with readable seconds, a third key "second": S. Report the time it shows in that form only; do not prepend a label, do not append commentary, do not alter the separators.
{"hour": 2, "minute": 29}
